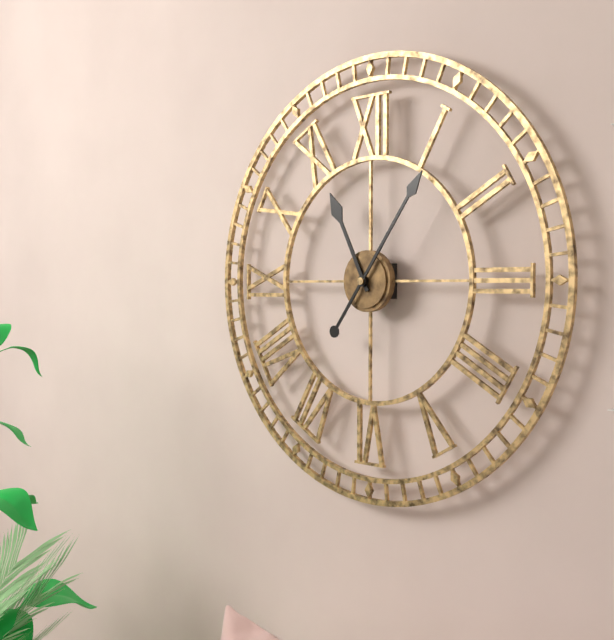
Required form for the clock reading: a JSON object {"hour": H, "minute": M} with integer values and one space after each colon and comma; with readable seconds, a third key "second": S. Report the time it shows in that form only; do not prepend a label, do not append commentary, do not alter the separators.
{"hour": 11, "minute": 6}
